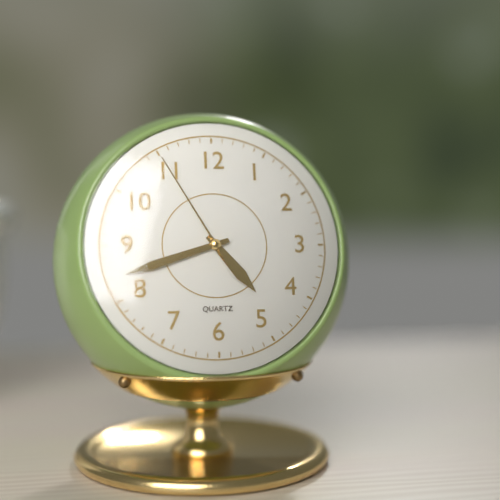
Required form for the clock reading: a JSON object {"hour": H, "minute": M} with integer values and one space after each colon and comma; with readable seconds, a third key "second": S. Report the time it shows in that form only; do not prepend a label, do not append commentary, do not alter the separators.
{"hour": 4, "minute": 42, "second": 55}
